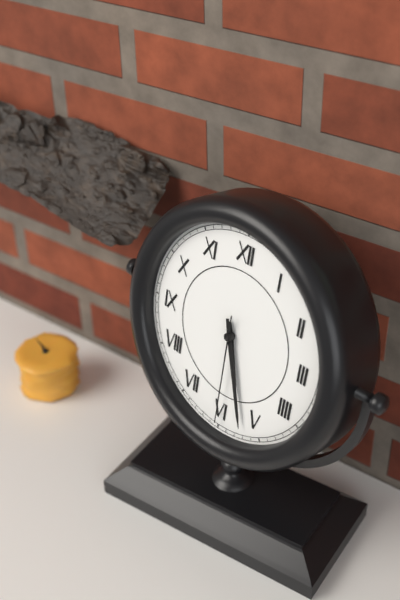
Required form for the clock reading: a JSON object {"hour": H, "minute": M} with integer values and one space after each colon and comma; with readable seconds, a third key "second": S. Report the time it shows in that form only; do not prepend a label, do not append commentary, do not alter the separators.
{"hour": 5, "minute": 27, "second": 30}
